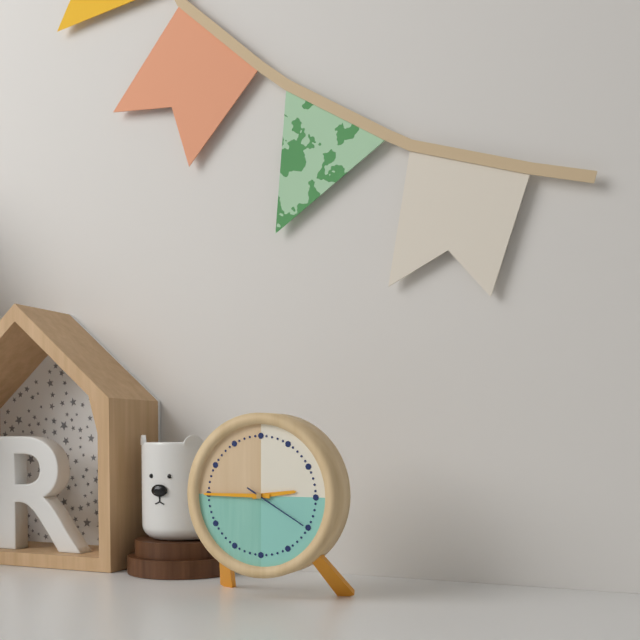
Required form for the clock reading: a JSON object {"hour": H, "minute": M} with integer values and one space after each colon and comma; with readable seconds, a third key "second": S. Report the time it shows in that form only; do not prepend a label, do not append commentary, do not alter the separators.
{"hour": 2, "minute": 45, "second": 20}
